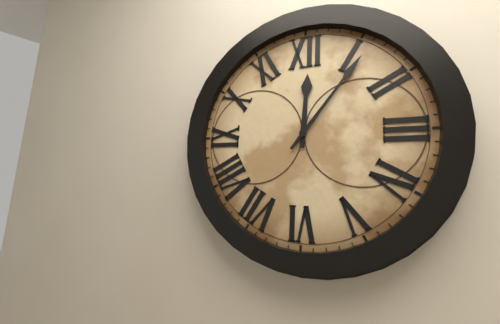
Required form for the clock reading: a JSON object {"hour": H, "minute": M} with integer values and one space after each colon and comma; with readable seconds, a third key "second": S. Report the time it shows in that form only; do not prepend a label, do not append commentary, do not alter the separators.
{"hour": 12, "minute": 6}
